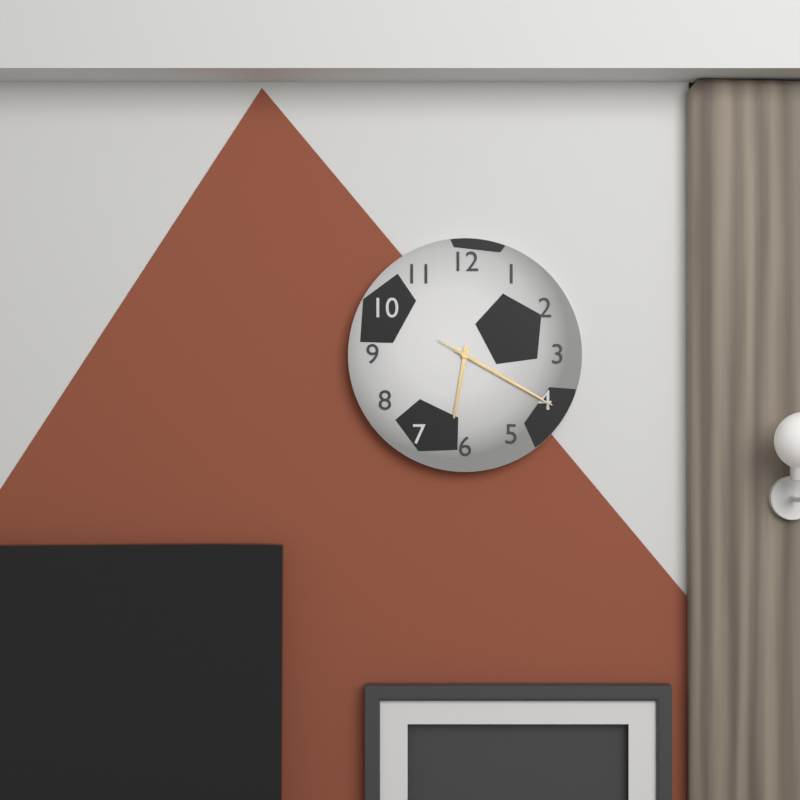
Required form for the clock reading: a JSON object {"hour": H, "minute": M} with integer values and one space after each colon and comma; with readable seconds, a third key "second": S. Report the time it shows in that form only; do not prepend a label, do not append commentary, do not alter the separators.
{"hour": 6, "minute": 20, "second": 20}
